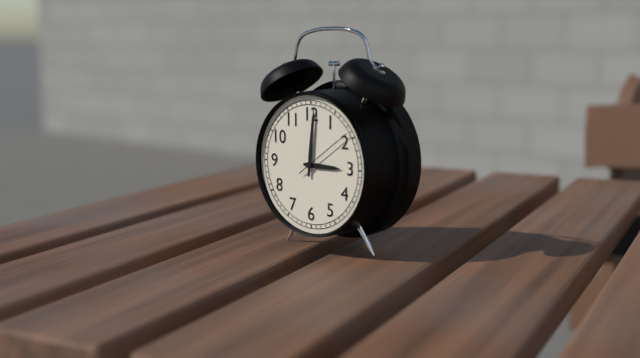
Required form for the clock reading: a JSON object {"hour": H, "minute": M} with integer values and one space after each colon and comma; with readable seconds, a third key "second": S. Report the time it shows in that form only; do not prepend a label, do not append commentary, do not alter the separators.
{"hour": 3, "minute": 1}
